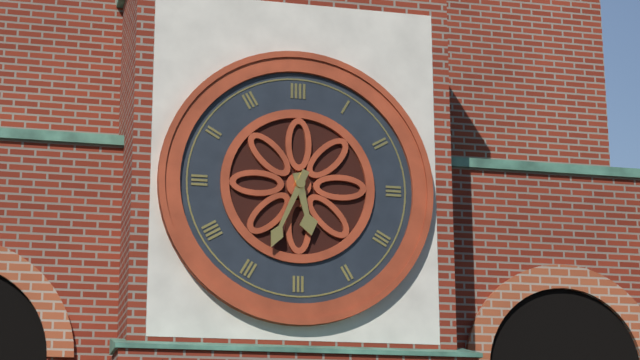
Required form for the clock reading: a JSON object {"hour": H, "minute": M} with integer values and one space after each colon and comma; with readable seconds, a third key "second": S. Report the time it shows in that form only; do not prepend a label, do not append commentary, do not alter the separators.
{"hour": 5, "minute": 34}
